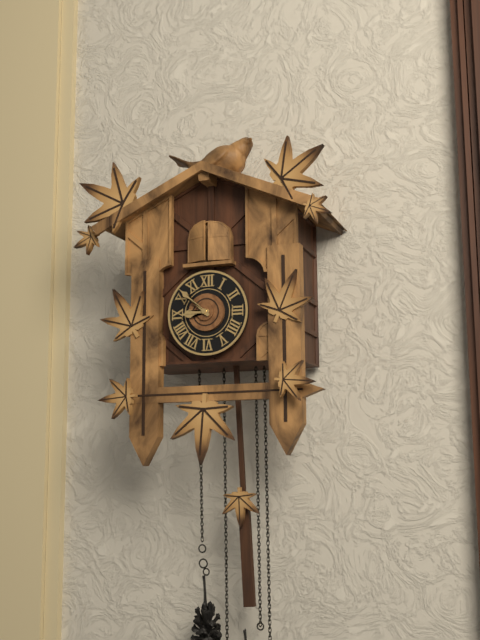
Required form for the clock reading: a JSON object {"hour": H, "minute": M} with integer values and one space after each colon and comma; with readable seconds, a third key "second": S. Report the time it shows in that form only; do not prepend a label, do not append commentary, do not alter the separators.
{"hour": 8, "minute": 52}
